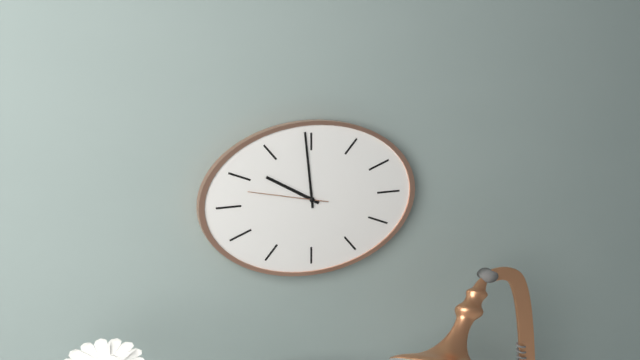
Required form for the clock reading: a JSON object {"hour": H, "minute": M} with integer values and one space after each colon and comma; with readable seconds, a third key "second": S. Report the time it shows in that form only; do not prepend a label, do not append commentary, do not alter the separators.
{"hour": 9, "minute": 59, "second": 47}
